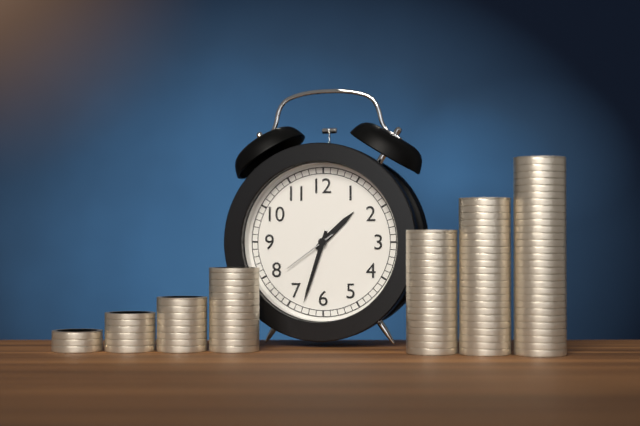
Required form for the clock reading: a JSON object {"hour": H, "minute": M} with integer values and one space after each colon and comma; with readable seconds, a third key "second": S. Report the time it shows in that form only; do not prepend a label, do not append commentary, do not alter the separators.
{"hour": 1, "minute": 33, "second": 39}
